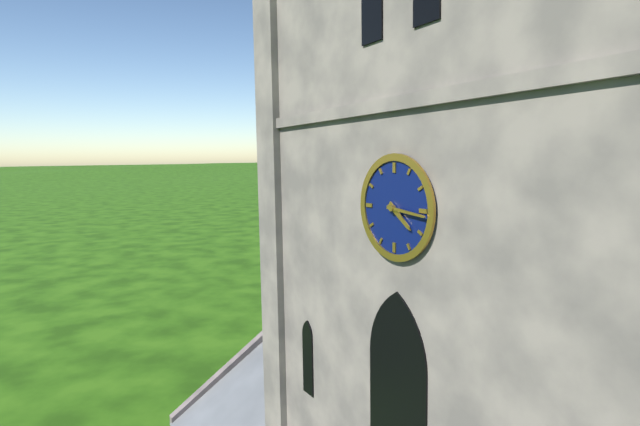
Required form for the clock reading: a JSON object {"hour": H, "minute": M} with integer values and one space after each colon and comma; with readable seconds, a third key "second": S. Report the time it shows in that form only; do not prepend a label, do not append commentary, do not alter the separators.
{"hour": 4, "minute": 16}
